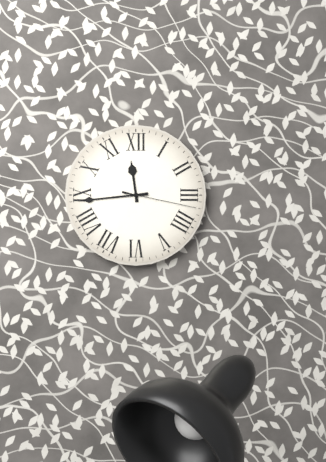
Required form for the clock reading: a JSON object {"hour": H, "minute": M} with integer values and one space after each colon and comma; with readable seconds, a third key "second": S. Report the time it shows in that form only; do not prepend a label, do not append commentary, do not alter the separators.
{"hour": 11, "minute": 44, "second": 17}
